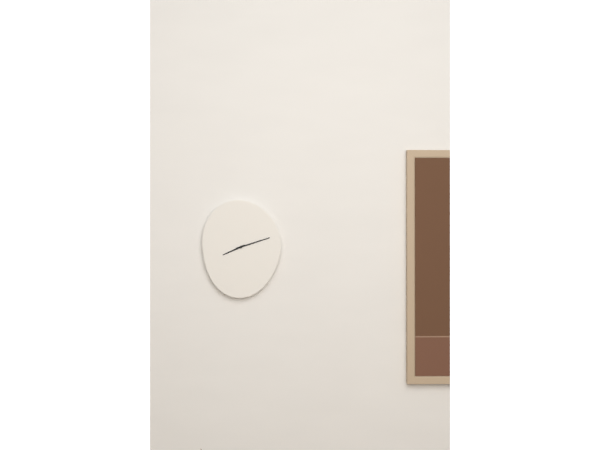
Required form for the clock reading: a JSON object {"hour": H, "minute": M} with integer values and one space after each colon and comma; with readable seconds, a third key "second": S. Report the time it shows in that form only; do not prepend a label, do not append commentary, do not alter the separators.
{"hour": 8, "minute": 12}
